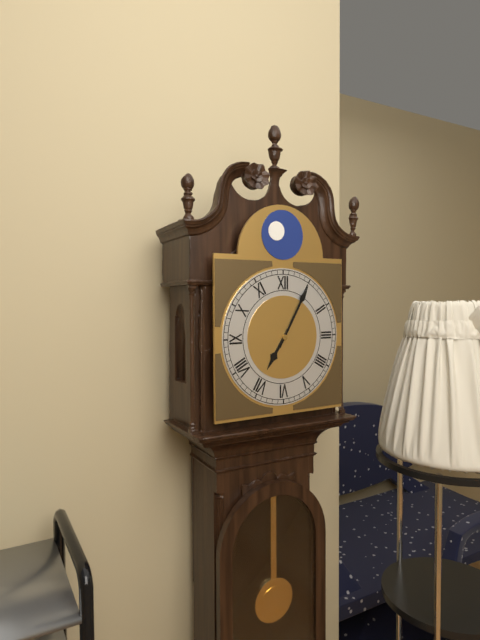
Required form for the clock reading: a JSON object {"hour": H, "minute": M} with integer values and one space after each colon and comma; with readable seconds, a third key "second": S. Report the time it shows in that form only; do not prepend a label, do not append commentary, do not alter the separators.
{"hour": 7, "minute": 5}
